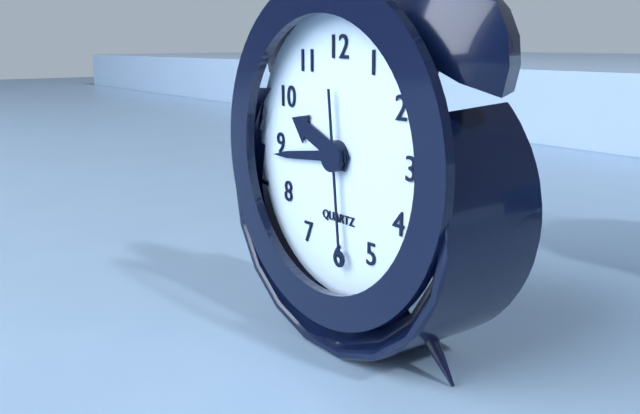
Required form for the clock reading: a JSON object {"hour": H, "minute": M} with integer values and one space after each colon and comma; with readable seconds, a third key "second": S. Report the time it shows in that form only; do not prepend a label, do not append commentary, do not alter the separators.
{"hour": 9, "minute": 44, "second": 29}
